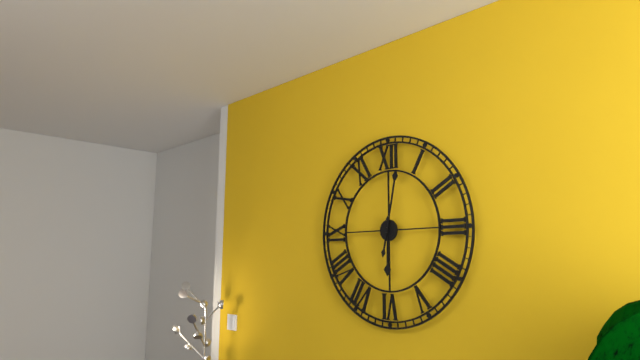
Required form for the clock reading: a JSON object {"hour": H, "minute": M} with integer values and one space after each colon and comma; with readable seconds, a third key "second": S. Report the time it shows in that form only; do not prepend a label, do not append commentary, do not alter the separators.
{"hour": 6, "minute": 2}
